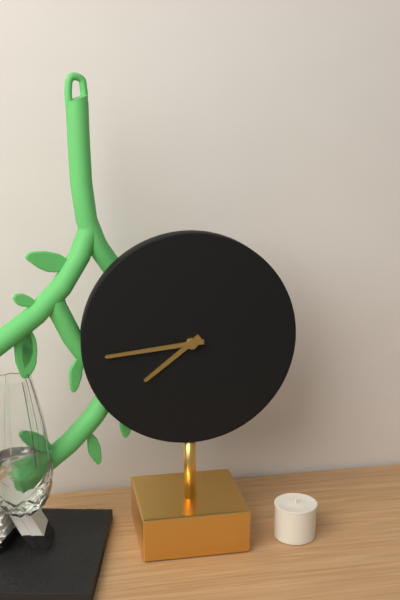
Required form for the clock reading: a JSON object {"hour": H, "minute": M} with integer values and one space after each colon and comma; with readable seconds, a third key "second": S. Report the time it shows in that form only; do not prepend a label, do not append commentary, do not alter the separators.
{"hour": 7, "minute": 44}
